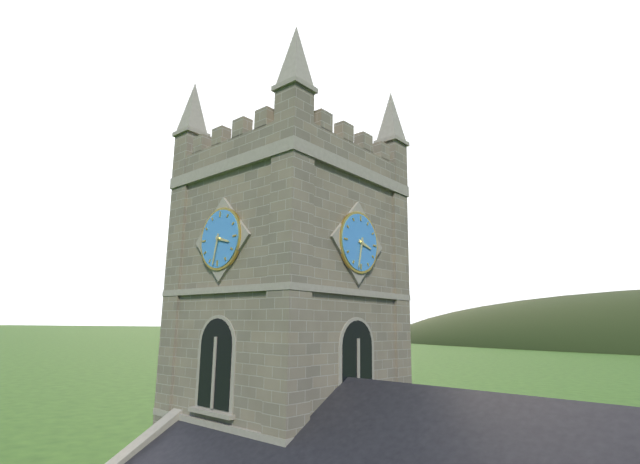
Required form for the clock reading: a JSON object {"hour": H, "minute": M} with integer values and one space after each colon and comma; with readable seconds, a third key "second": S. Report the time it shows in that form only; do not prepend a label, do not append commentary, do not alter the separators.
{"hour": 3, "minute": 32}
